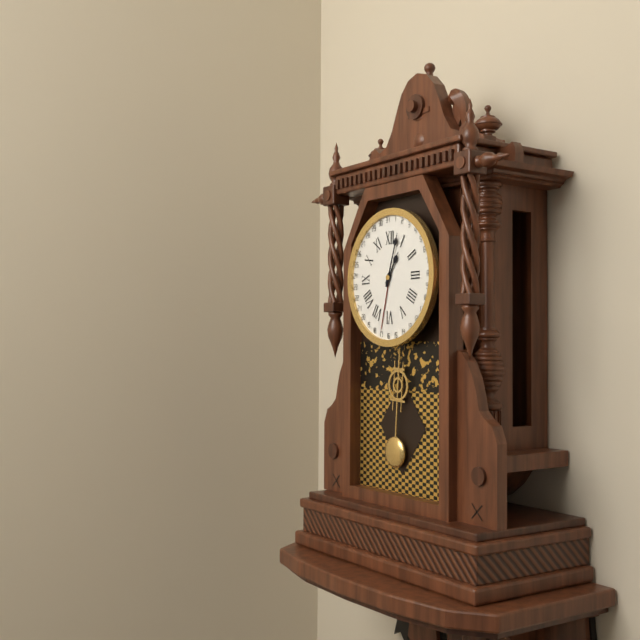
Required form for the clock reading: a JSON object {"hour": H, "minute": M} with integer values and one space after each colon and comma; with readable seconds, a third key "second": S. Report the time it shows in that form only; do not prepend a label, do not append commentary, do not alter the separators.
{"hour": 1, "minute": 3}
